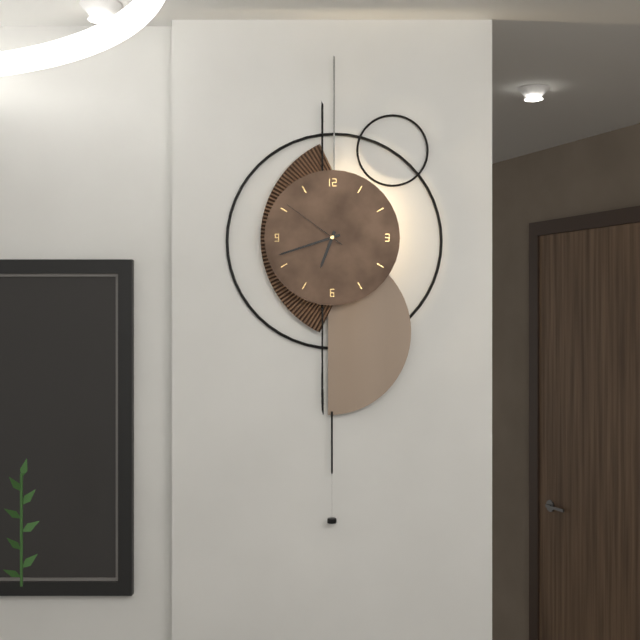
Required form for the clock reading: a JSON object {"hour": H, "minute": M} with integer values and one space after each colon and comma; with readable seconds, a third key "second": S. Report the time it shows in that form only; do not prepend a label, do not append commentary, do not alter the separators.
{"hour": 6, "minute": 42, "second": 51}
